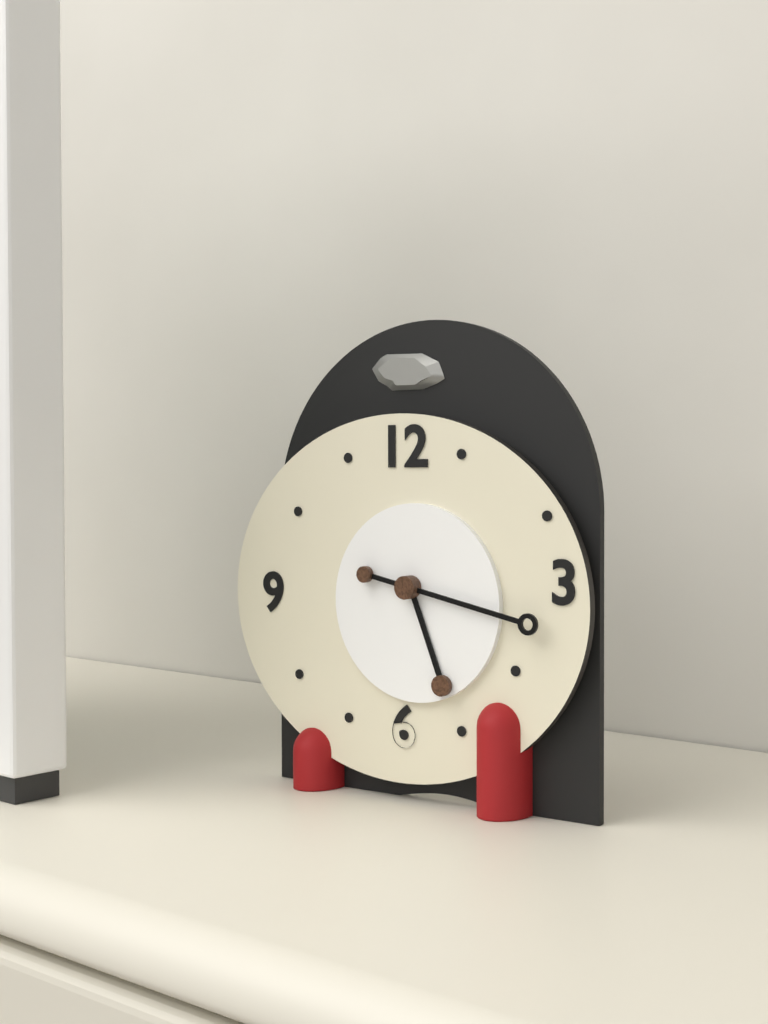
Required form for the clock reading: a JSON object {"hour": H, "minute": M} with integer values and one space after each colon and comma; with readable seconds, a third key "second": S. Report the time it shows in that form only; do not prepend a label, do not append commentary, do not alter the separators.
{"hour": 5, "minute": 17}
